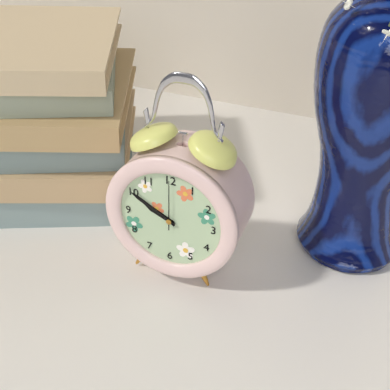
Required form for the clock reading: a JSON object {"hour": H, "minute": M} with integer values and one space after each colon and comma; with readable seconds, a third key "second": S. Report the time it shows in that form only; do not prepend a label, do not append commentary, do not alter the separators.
{"hour": 9, "minute": 50, "second": 0}
